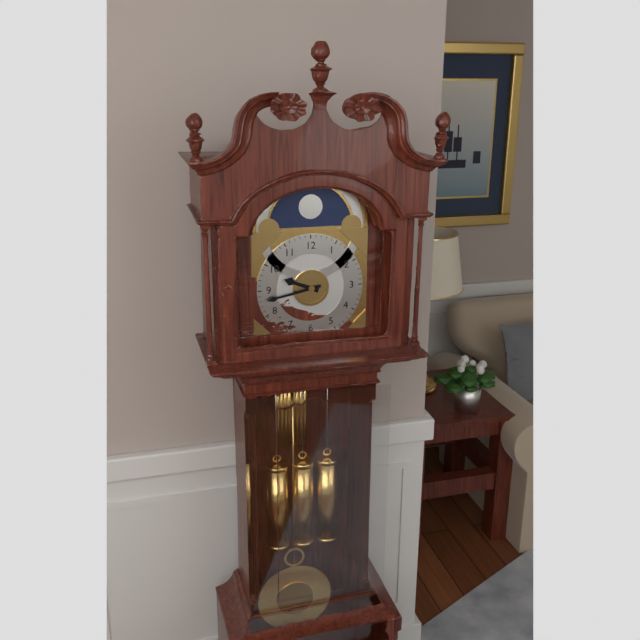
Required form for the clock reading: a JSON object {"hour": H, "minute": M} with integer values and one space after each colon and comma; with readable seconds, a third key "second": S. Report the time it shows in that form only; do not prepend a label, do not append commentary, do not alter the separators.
{"hour": 9, "minute": 43}
